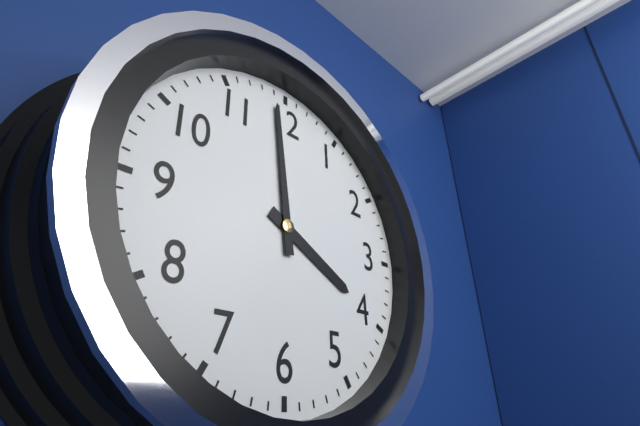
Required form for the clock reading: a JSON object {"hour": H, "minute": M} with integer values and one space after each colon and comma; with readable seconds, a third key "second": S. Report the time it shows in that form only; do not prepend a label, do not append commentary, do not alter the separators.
{"hour": 3, "minute": 59}
